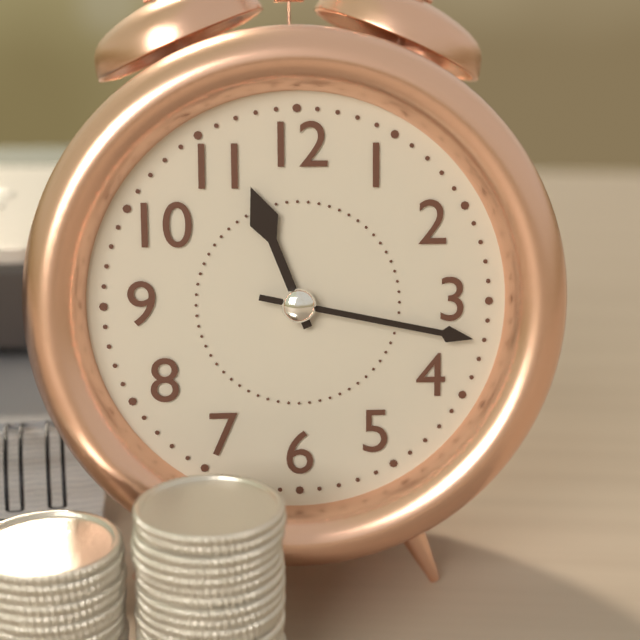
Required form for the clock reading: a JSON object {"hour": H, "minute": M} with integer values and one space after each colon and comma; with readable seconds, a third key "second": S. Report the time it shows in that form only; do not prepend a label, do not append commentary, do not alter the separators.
{"hour": 11, "minute": 17}
